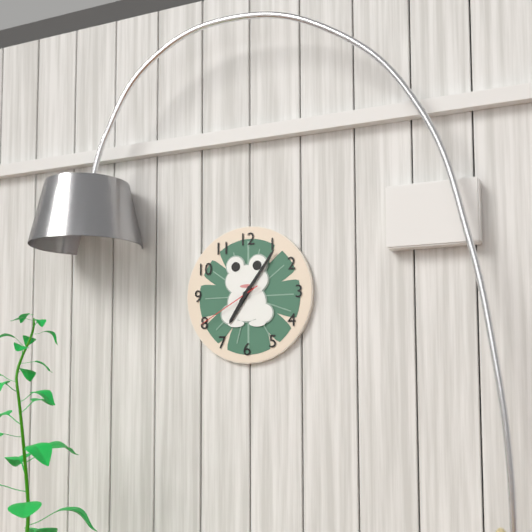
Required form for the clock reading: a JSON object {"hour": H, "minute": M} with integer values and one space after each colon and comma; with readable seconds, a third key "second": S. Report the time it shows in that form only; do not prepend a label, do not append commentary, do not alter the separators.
{"hour": 7, "minute": 6, "second": 40}
